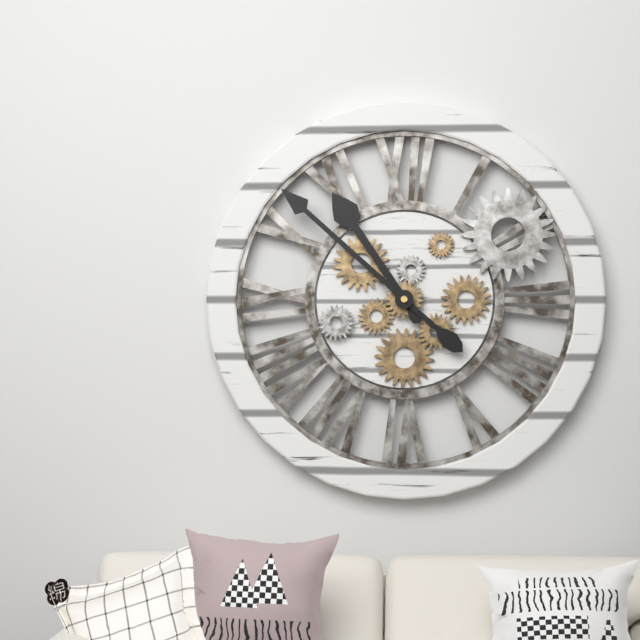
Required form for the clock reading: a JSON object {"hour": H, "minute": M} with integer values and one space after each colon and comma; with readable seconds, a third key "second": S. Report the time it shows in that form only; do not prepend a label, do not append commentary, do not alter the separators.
{"hour": 10, "minute": 52}
